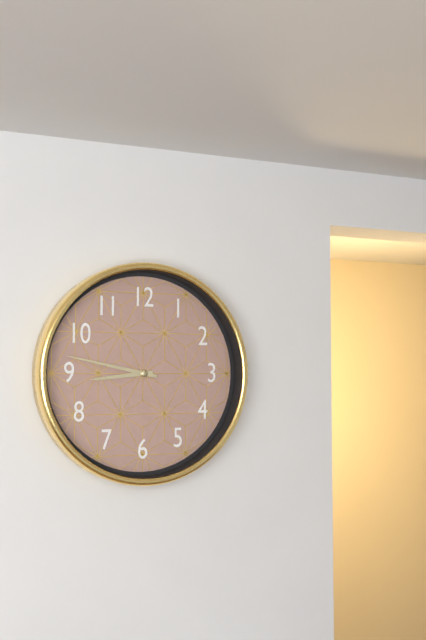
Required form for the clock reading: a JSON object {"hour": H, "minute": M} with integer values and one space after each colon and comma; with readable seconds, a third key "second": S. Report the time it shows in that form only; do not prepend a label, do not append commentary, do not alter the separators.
{"hour": 8, "minute": 47}
